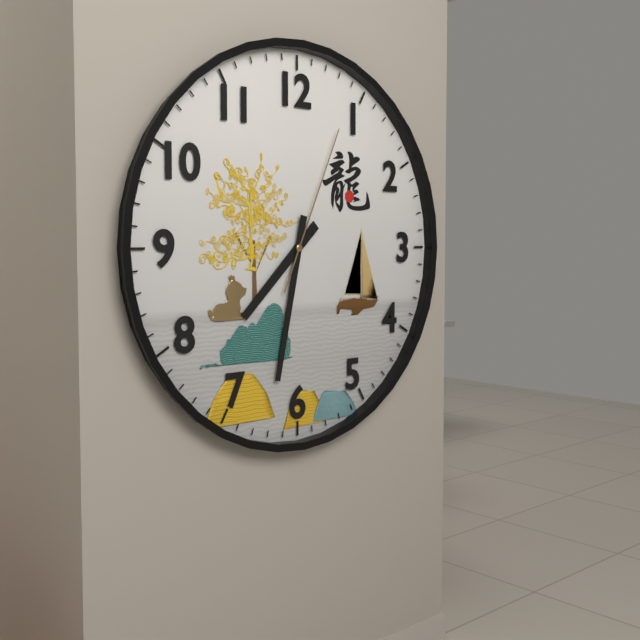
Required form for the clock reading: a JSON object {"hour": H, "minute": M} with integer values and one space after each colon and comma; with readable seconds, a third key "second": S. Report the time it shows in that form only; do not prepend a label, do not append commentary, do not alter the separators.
{"hour": 7, "minute": 32, "second": 4}
